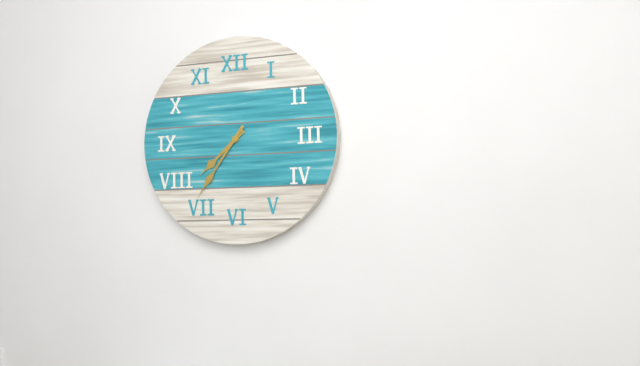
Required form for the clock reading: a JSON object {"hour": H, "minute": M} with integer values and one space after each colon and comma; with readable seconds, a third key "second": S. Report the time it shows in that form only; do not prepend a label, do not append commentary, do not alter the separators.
{"hour": 7, "minute": 36}
